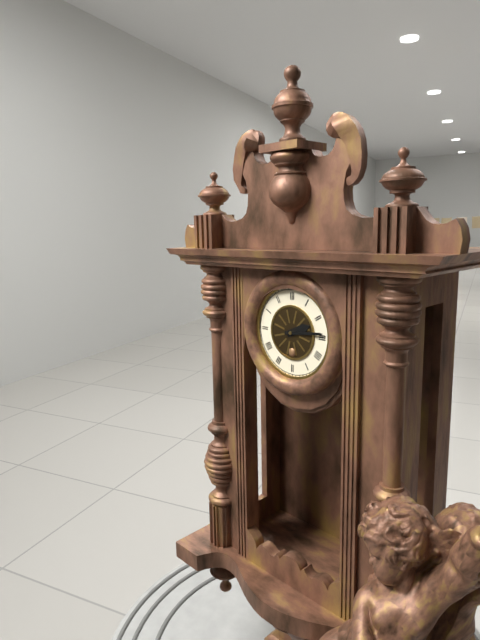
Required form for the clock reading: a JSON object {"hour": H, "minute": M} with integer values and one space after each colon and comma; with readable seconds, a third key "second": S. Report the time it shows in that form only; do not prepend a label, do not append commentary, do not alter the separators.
{"hour": 2, "minute": 14}
